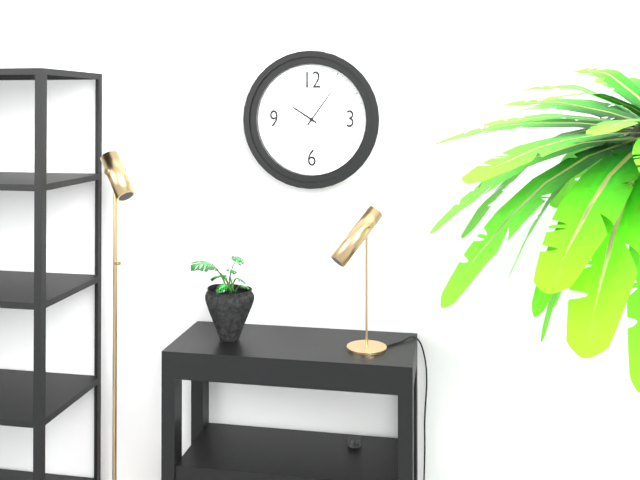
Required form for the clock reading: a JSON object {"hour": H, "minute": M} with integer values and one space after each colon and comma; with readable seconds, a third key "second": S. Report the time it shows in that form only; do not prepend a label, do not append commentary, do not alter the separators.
{"hour": 10, "minute": 6}
